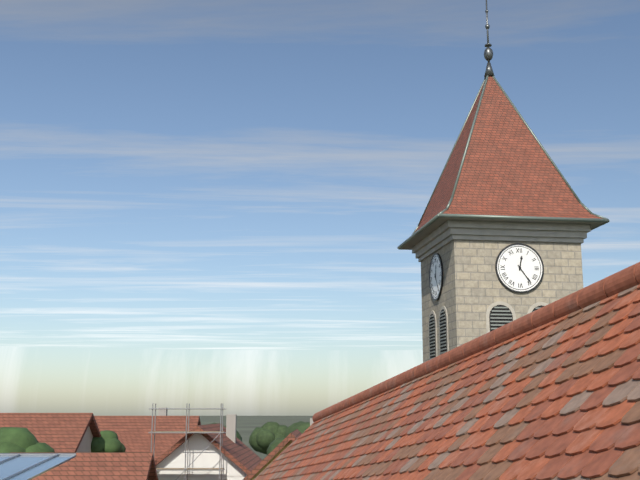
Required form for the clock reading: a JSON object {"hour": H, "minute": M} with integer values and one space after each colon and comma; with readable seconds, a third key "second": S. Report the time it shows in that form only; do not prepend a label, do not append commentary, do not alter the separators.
{"hour": 12, "minute": 24}
